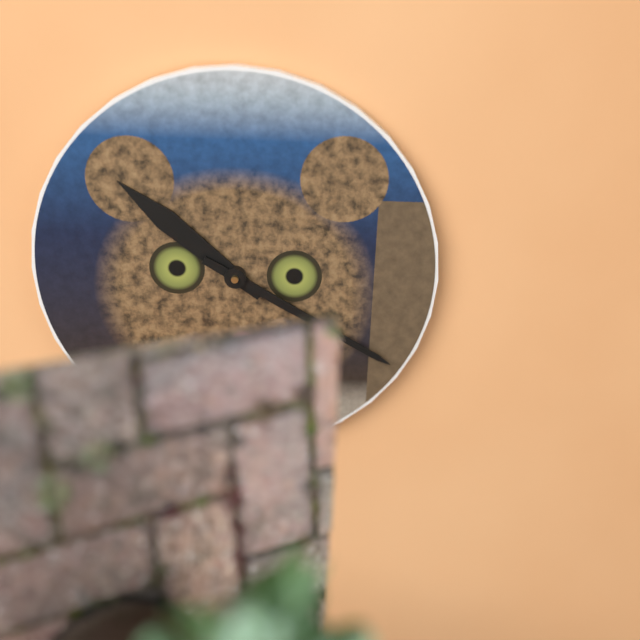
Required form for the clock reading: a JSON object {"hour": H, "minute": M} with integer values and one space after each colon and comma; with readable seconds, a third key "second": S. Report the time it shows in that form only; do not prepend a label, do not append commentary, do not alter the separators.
{"hour": 10, "minute": 20}
